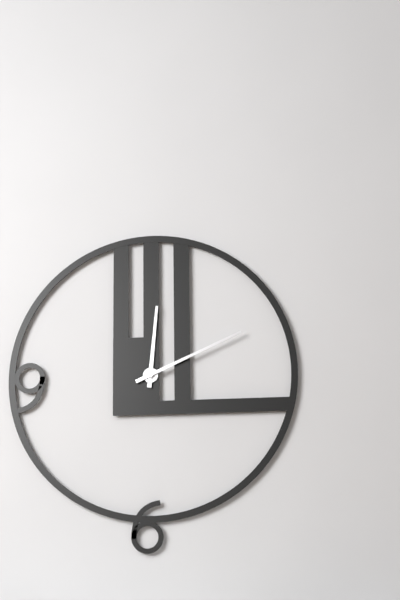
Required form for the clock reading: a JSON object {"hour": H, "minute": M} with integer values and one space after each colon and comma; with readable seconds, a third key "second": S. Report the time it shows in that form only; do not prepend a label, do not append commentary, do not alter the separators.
{"hour": 12, "minute": 11}
